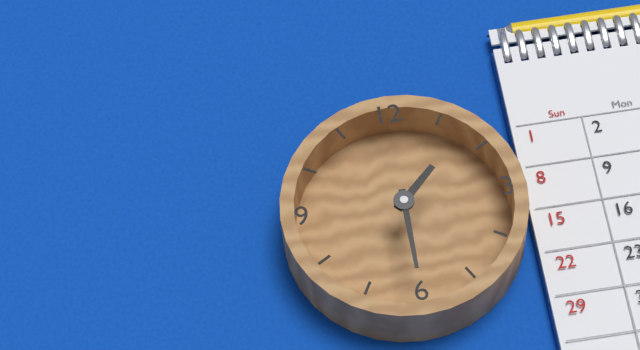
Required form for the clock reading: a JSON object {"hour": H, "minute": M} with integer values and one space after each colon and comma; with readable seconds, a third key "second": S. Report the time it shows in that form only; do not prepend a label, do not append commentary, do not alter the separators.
{"hour": 1, "minute": 30}
